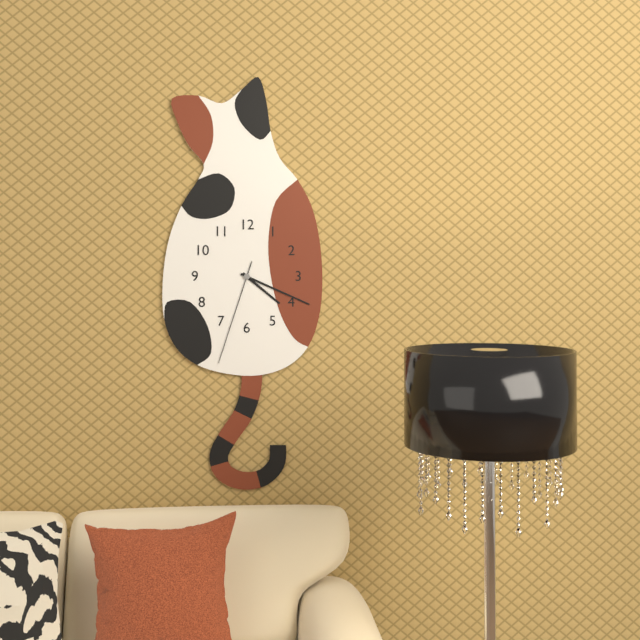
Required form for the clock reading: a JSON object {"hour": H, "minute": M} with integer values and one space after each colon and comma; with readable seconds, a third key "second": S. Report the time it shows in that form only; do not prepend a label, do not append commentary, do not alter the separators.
{"hour": 4, "minute": 19, "second": 33}
